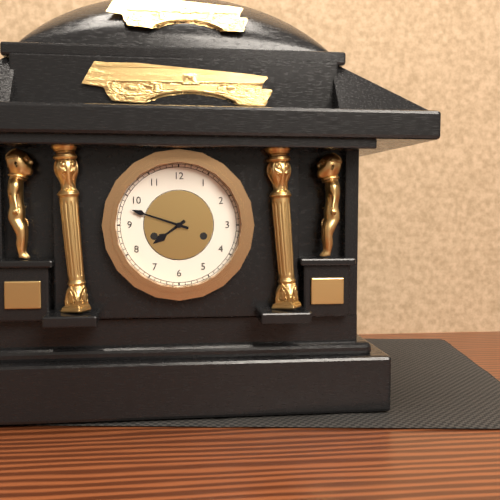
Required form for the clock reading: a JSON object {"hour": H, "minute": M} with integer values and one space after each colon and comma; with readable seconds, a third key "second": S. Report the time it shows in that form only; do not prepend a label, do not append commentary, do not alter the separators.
{"hour": 7, "minute": 48}
